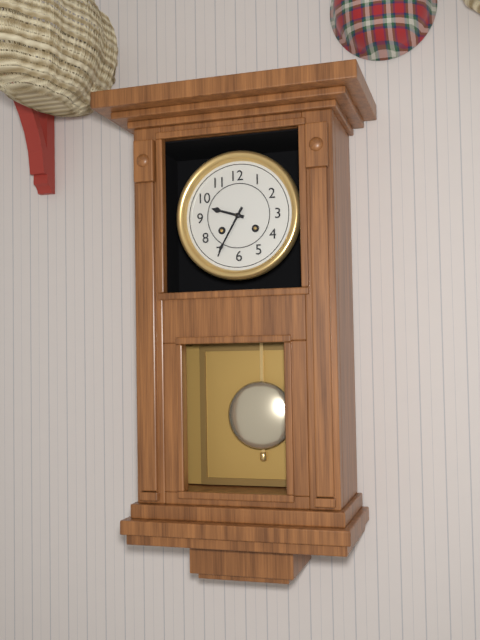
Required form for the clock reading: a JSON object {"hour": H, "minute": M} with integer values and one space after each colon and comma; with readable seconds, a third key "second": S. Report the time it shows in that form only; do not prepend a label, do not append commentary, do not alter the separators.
{"hour": 9, "minute": 35}
